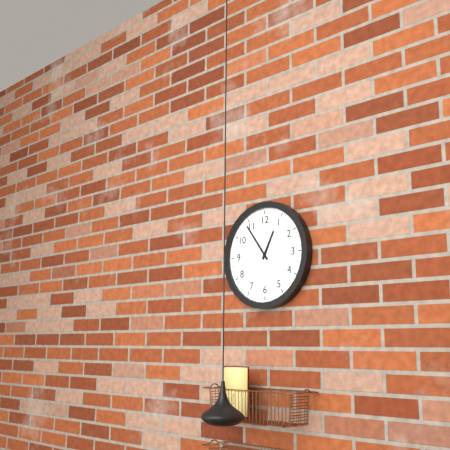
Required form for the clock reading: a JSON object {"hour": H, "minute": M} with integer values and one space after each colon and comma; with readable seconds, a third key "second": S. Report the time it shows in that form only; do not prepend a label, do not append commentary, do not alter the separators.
{"hour": 12, "minute": 54}
